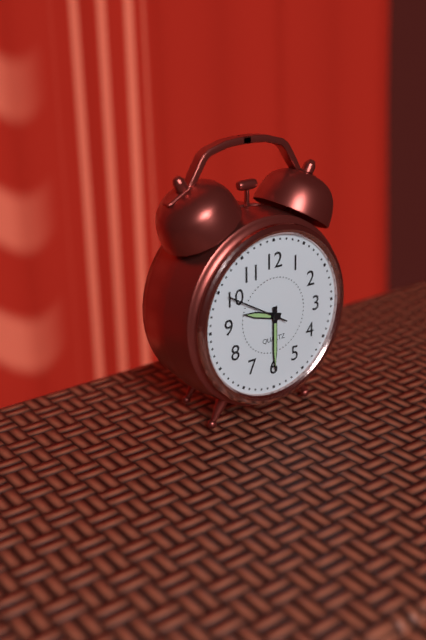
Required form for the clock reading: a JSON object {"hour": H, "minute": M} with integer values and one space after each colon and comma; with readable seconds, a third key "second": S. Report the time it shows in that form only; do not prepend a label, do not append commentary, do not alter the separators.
{"hour": 9, "minute": 30, "second": 50}
